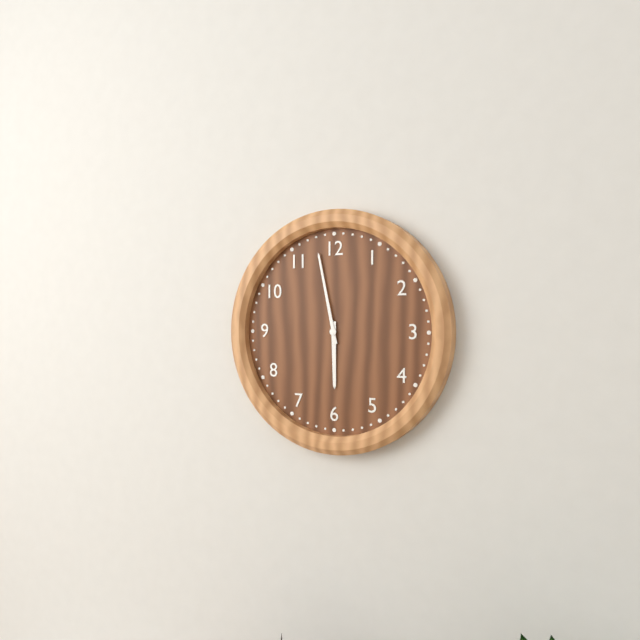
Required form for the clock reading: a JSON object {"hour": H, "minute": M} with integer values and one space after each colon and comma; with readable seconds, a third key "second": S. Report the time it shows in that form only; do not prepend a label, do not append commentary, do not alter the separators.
{"hour": 5, "minute": 58}
